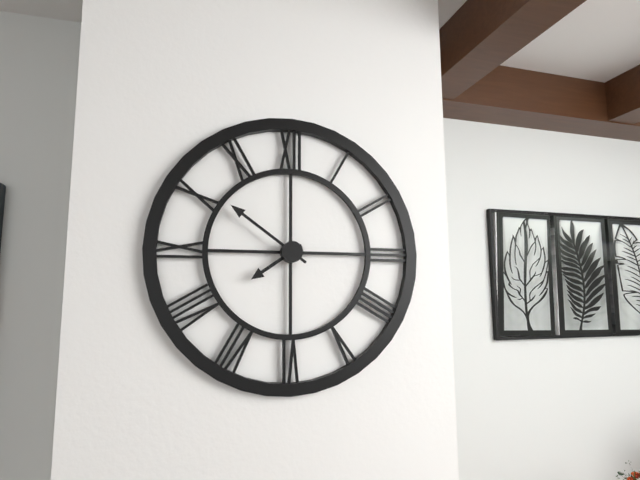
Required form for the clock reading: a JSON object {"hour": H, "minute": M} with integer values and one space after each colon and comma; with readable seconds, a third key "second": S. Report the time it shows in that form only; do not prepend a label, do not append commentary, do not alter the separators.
{"hour": 7, "minute": 51}
